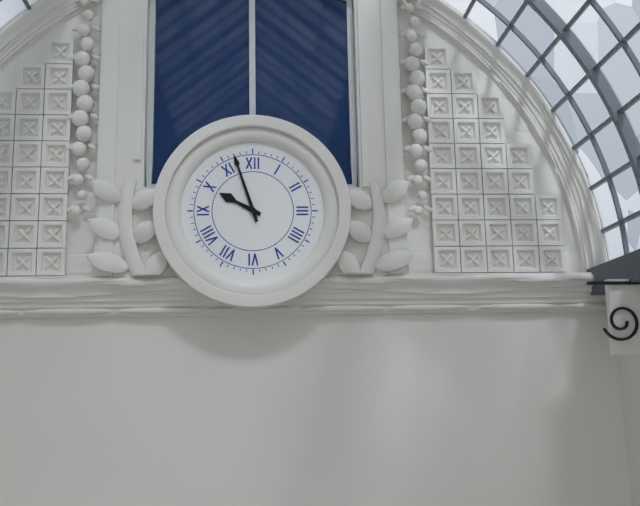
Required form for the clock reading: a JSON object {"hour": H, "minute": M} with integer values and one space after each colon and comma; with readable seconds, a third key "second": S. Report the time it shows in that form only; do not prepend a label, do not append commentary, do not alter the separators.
{"hour": 9, "minute": 57}
